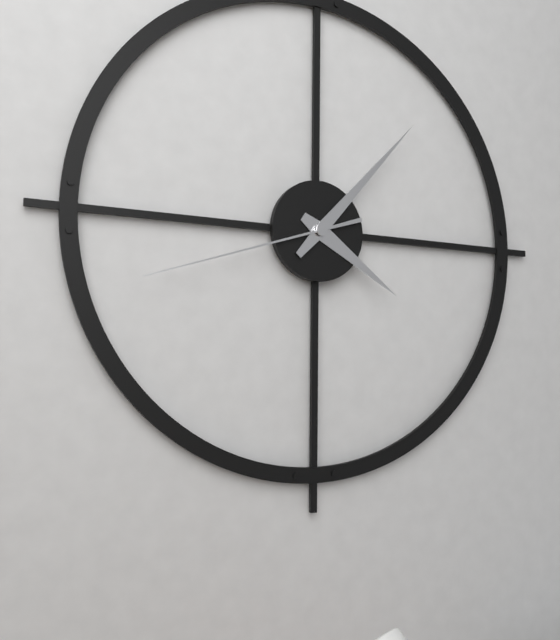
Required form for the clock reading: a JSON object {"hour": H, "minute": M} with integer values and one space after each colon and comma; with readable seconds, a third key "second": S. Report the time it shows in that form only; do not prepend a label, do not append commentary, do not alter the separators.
{"hour": 4, "minute": 7, "second": 42}
